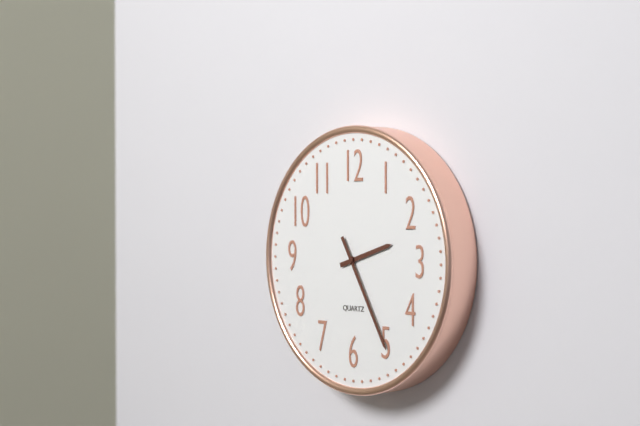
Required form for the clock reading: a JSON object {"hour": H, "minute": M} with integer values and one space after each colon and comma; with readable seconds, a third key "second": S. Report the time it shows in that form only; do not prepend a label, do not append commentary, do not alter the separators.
{"hour": 2, "minute": 25}
